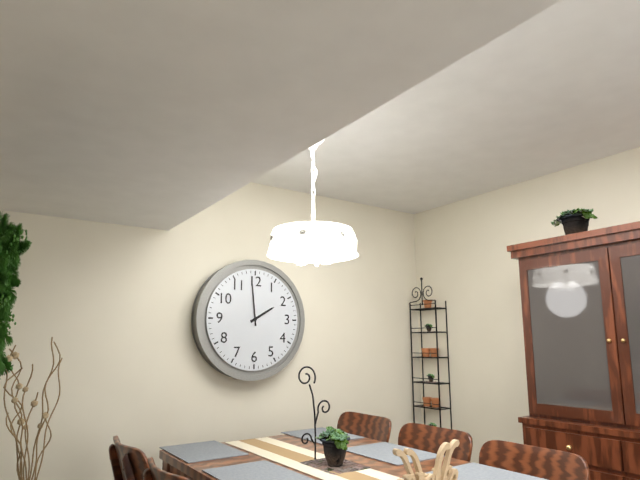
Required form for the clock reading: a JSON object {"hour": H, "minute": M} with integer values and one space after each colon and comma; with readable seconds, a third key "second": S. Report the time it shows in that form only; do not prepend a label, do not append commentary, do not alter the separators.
{"hour": 1, "minute": 59}
